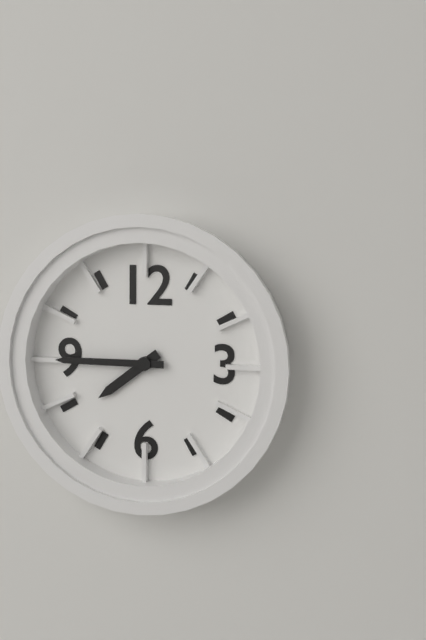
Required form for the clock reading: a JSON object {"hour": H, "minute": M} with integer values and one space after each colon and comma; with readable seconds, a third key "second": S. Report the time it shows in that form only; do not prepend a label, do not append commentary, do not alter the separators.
{"hour": 7, "minute": 45}
